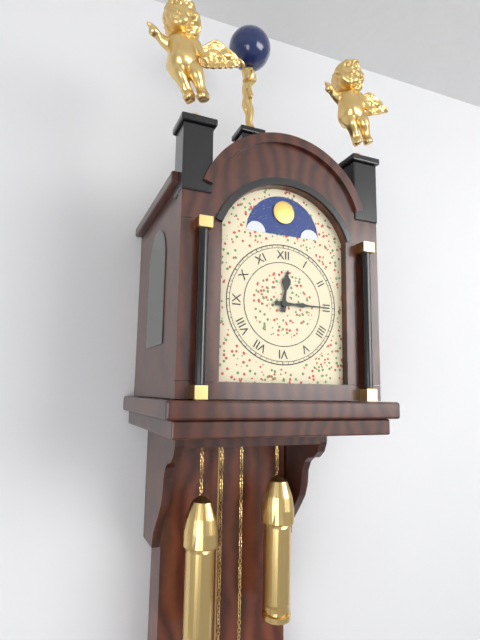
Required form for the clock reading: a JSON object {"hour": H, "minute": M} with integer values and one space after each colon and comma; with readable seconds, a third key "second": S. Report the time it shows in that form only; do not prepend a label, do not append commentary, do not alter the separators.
{"hour": 12, "minute": 15}
